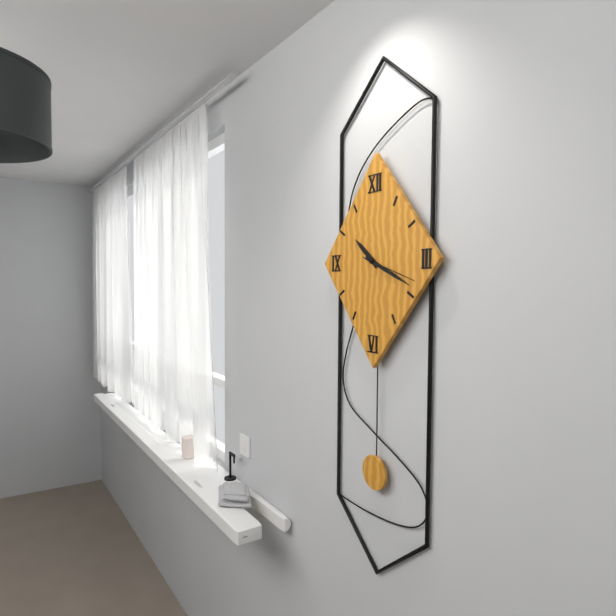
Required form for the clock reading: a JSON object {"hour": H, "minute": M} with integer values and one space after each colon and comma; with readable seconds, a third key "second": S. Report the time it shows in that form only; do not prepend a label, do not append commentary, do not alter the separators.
{"hour": 10, "minute": 19}
